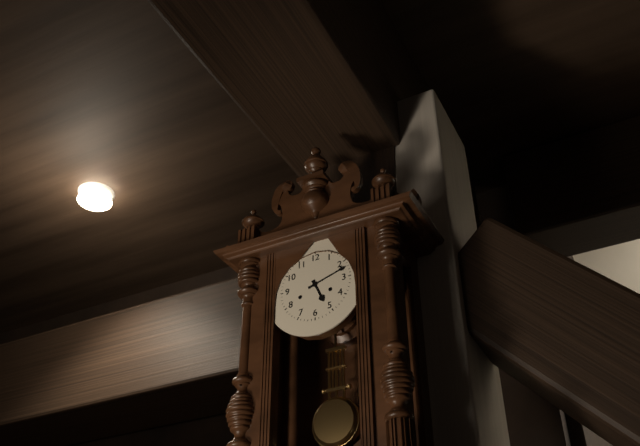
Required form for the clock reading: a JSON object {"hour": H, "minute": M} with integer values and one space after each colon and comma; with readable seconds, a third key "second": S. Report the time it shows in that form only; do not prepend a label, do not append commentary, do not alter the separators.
{"hour": 5, "minute": 12}
